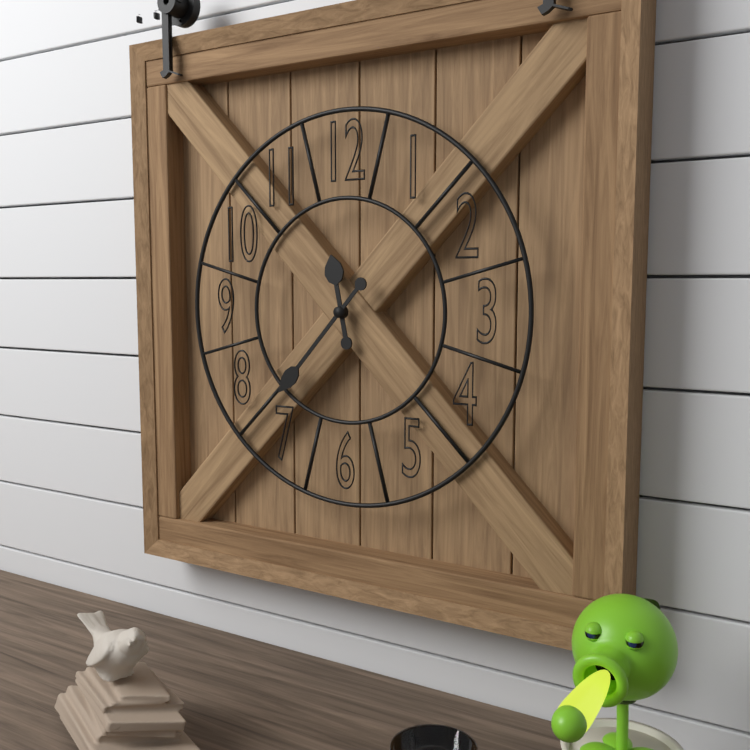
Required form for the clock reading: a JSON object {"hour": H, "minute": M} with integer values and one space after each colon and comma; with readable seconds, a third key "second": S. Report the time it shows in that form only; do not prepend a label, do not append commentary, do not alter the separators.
{"hour": 11, "minute": 37}
